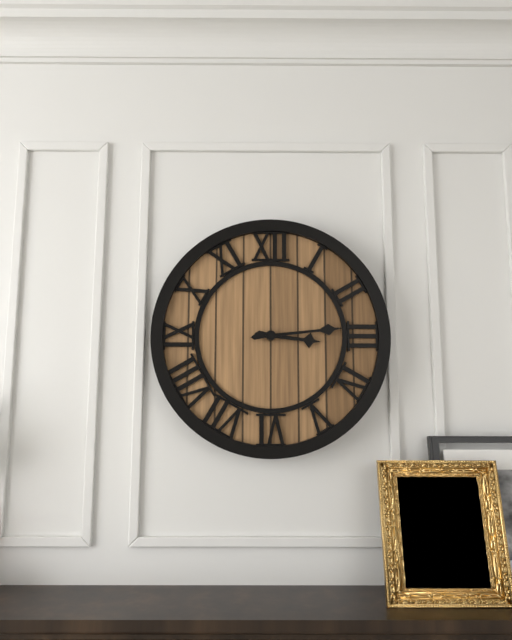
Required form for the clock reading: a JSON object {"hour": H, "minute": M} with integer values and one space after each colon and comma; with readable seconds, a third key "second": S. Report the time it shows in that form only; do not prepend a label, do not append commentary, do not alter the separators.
{"hour": 3, "minute": 14}
